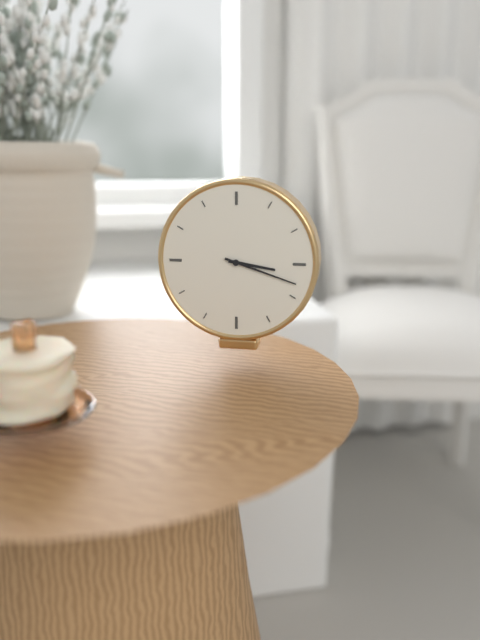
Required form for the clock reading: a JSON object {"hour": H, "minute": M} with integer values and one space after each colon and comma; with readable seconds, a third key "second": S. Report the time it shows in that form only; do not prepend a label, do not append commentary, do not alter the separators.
{"hour": 3, "minute": 18}
